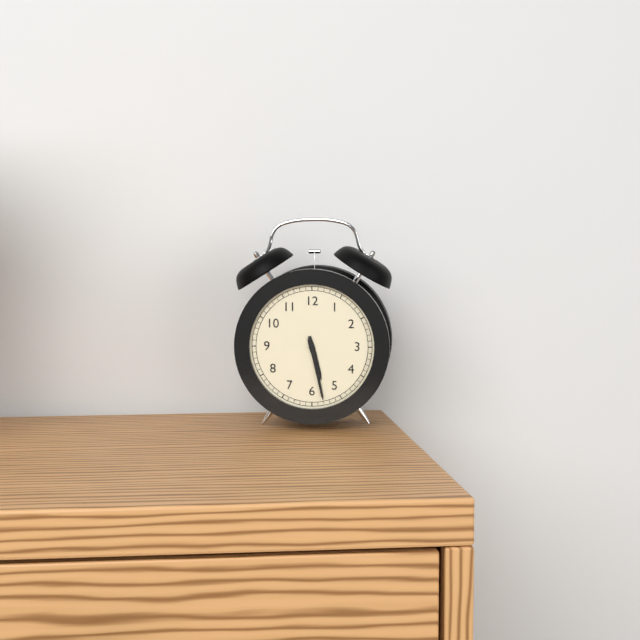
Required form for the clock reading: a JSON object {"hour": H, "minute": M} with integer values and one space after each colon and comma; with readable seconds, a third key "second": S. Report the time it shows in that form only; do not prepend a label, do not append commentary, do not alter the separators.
{"hour": 5, "minute": 28}
